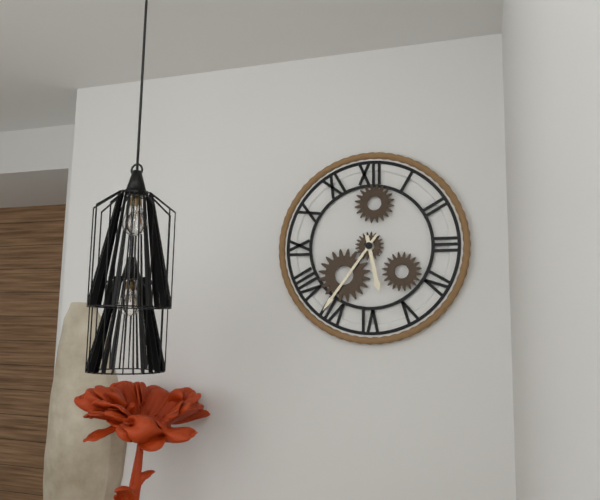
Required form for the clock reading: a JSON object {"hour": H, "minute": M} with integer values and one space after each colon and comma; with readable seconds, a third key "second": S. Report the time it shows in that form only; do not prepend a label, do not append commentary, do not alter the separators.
{"hour": 5, "minute": 36}
